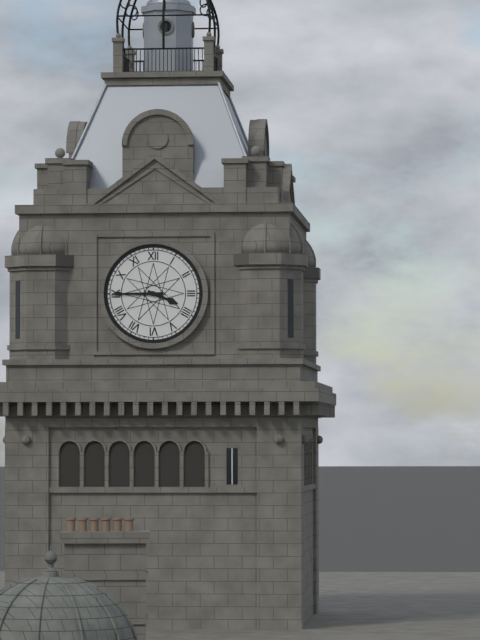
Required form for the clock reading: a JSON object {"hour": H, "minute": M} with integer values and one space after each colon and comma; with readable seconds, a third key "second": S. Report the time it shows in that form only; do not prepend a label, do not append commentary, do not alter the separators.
{"hour": 3, "minute": 45}
